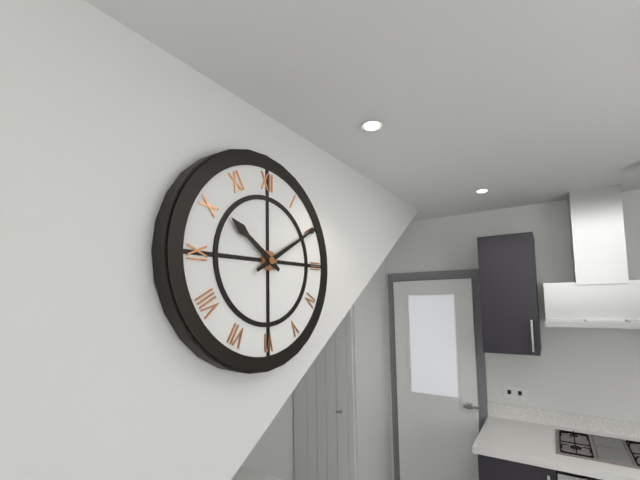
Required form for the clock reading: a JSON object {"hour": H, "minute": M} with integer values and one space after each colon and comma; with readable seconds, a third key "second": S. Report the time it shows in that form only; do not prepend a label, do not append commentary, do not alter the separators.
{"hour": 10, "minute": 10}
